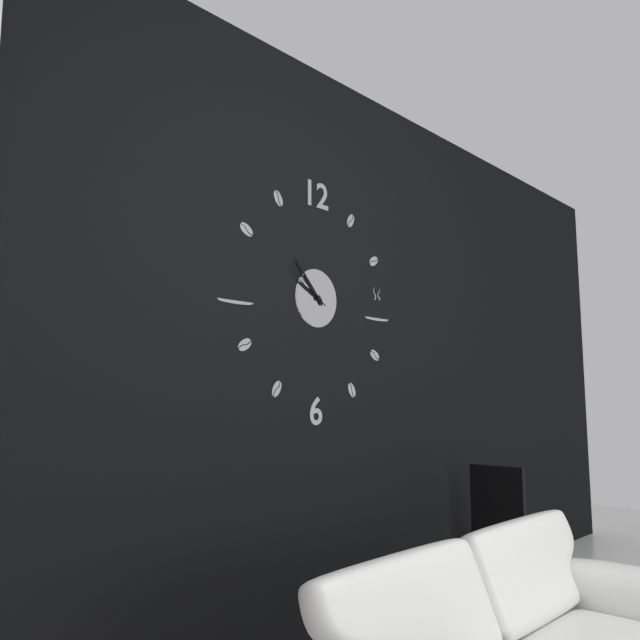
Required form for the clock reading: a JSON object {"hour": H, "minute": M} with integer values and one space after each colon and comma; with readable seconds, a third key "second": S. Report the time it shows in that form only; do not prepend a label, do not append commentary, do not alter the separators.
{"hour": 9, "minute": 53, "second": 51}
